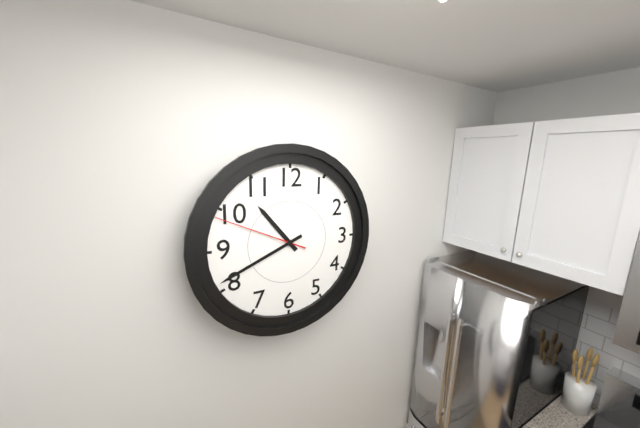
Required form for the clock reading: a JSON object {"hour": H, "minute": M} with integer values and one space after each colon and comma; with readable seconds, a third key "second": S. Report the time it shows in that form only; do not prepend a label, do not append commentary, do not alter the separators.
{"hour": 10, "minute": 41, "second": 49}
